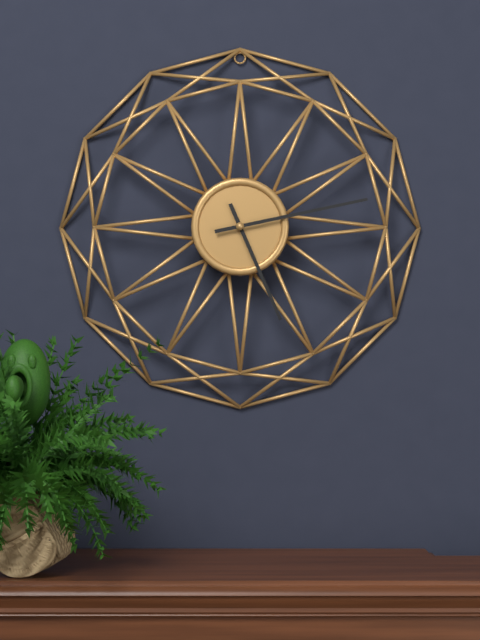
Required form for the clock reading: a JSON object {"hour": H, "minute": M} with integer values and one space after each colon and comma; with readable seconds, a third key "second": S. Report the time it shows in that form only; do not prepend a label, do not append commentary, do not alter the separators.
{"hour": 5, "minute": 13}
